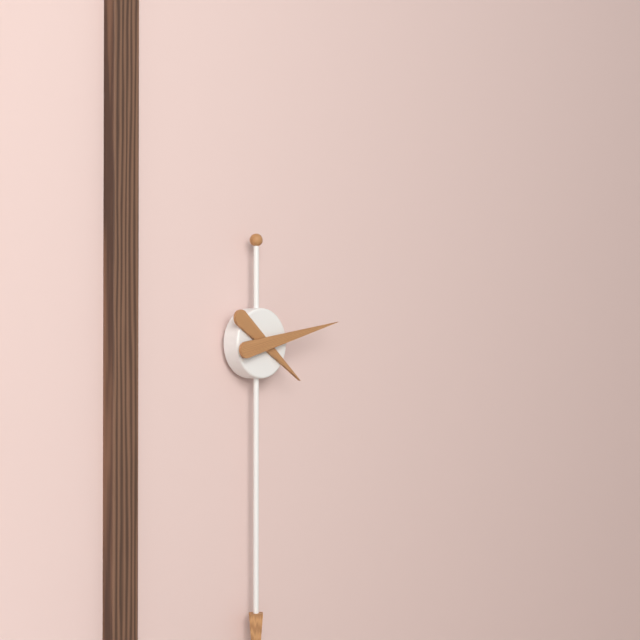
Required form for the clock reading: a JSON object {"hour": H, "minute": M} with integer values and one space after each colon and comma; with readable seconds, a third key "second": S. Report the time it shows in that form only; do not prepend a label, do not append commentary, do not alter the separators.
{"hour": 4, "minute": 13}
